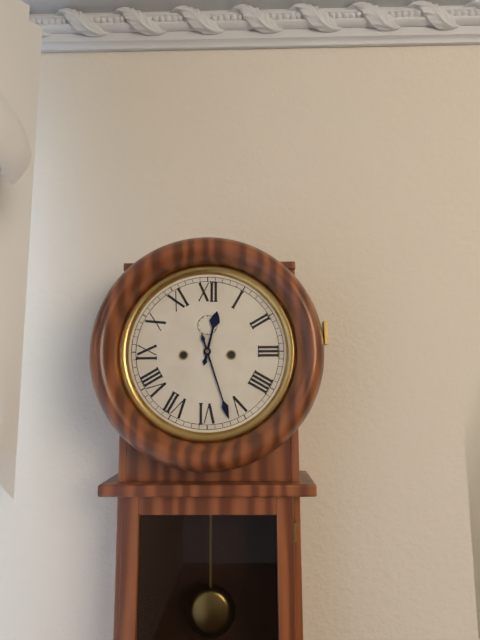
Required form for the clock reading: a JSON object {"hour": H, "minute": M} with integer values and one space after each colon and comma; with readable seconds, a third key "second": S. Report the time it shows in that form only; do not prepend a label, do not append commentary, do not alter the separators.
{"hour": 12, "minute": 27}
